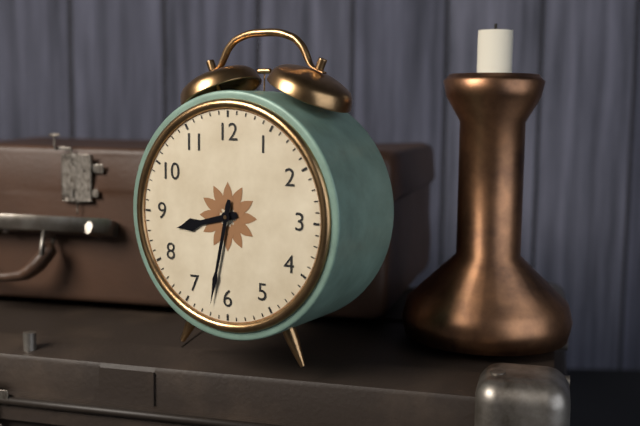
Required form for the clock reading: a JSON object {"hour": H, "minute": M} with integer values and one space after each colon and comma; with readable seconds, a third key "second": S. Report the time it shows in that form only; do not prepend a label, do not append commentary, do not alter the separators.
{"hour": 8, "minute": 32}
